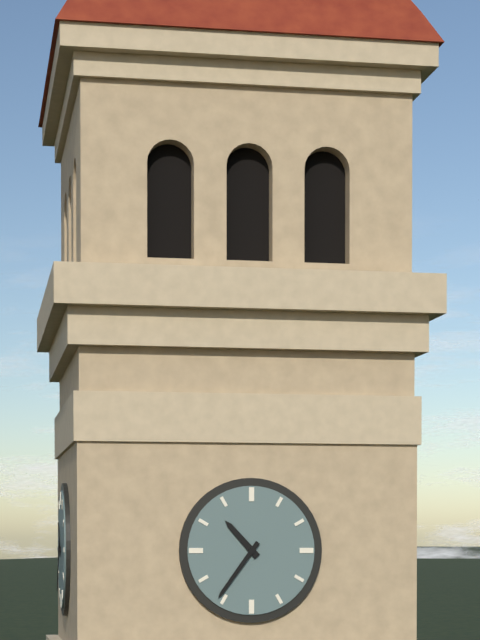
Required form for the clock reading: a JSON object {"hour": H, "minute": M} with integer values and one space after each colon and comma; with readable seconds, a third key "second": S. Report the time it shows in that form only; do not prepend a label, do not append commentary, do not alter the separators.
{"hour": 10, "minute": 36}
